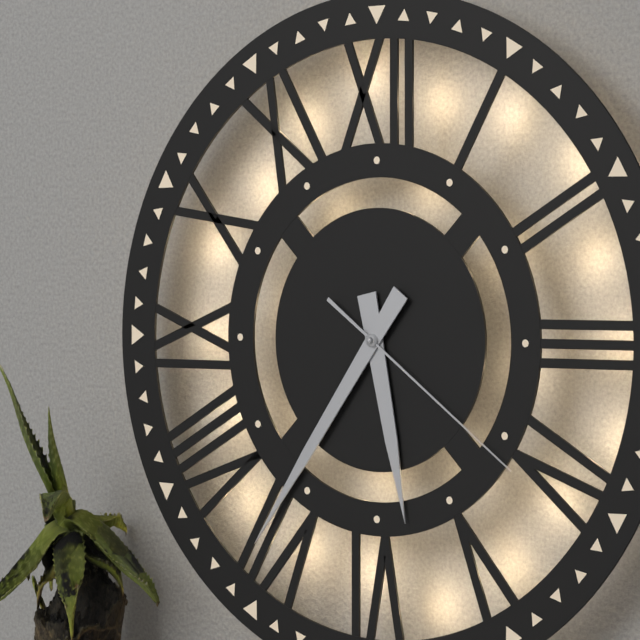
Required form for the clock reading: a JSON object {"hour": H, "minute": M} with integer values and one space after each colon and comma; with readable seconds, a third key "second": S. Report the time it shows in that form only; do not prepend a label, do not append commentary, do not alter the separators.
{"hour": 5, "minute": 36, "second": 21}
